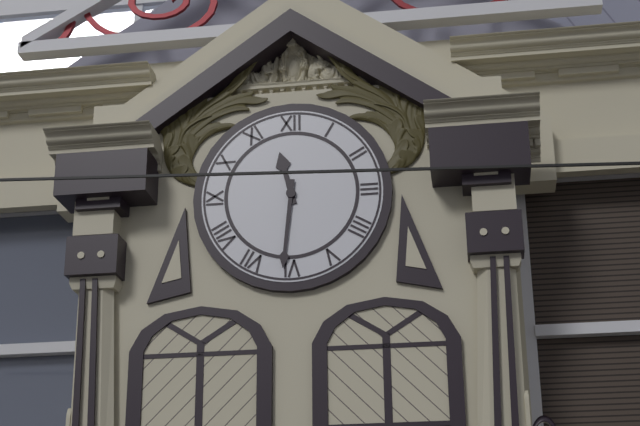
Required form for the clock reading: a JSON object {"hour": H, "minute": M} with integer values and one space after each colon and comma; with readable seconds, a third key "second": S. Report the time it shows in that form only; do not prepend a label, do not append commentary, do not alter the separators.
{"hour": 11, "minute": 31}
